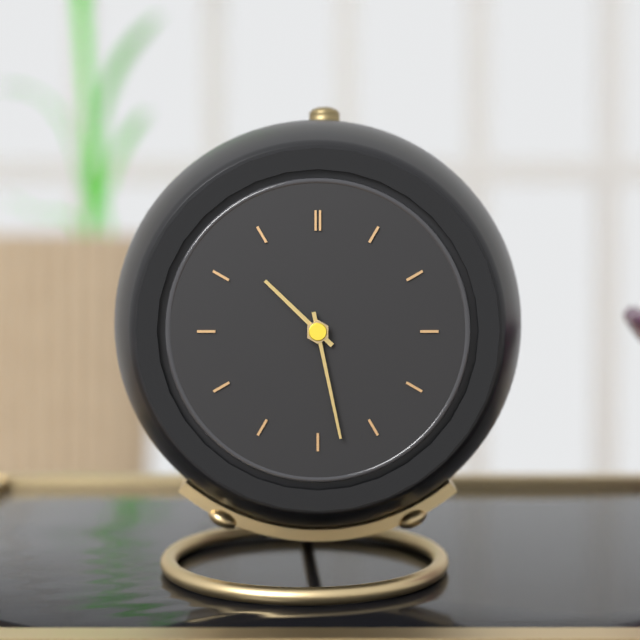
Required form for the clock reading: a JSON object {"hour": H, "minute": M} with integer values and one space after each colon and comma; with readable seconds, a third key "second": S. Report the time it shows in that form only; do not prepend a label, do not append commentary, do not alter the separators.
{"hour": 10, "minute": 28}
